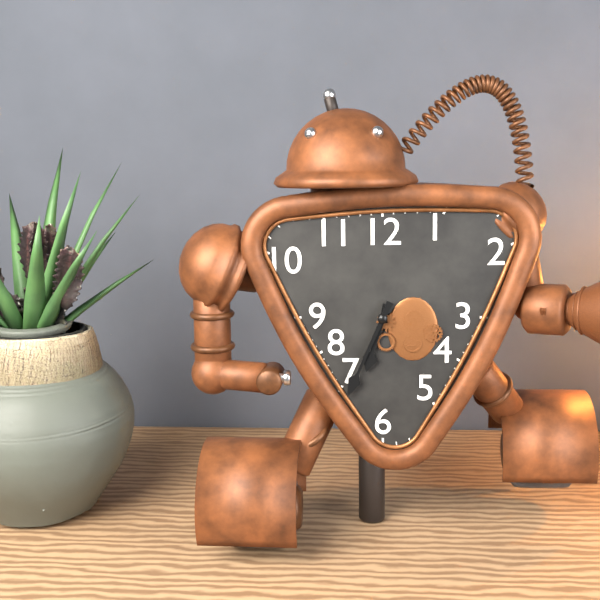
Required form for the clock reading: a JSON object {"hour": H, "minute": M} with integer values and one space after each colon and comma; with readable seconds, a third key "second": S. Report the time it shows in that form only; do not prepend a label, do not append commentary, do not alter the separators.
{"hour": 6, "minute": 34}
